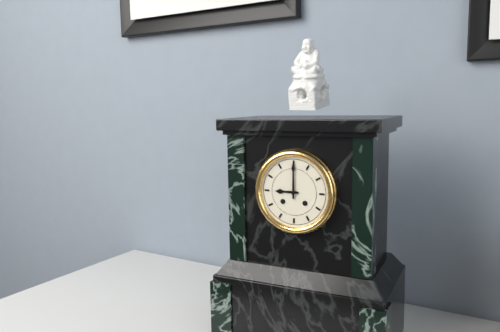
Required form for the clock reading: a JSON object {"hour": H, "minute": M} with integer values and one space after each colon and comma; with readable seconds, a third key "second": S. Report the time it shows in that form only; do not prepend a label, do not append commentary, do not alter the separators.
{"hour": 9, "minute": 0}
